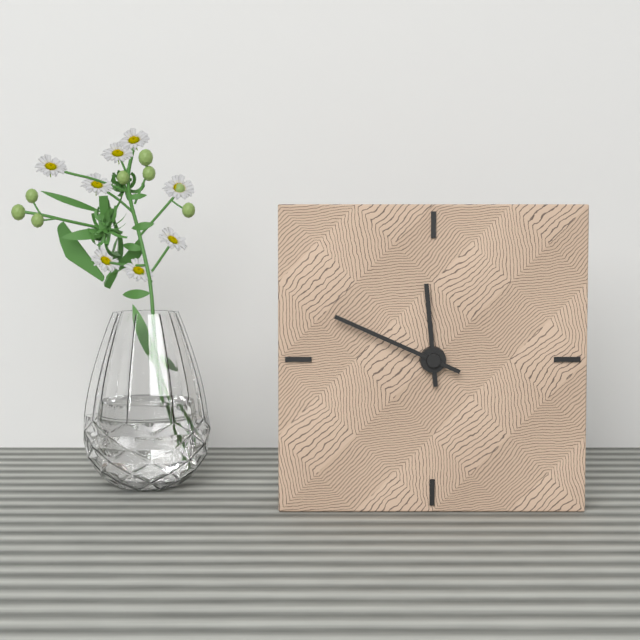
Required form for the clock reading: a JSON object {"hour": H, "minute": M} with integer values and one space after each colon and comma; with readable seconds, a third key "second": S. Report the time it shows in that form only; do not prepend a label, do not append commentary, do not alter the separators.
{"hour": 11, "minute": 49}
